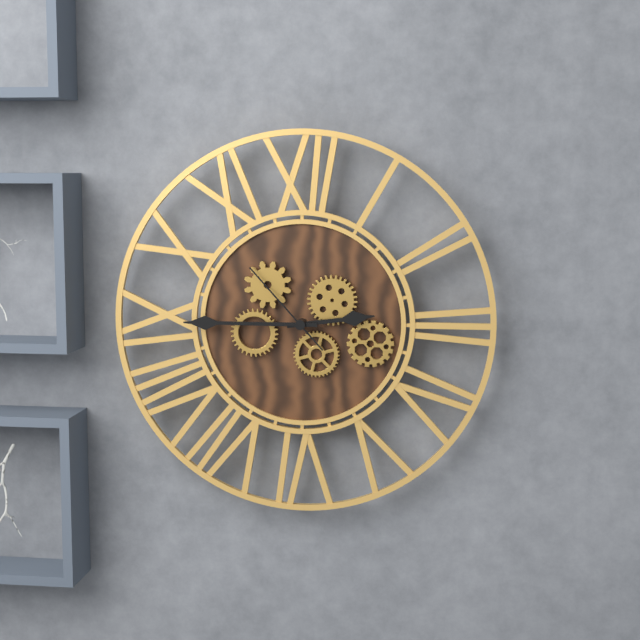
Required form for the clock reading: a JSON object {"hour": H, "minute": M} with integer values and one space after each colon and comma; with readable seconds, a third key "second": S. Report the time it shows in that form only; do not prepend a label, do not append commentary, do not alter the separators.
{"hour": 2, "minute": 45, "second": 53}
